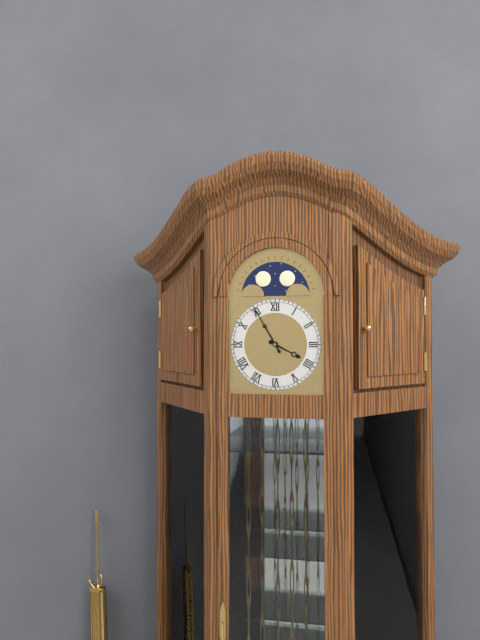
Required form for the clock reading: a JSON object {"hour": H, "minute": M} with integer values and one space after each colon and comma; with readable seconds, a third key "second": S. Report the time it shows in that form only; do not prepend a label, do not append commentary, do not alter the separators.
{"hour": 3, "minute": 55}
